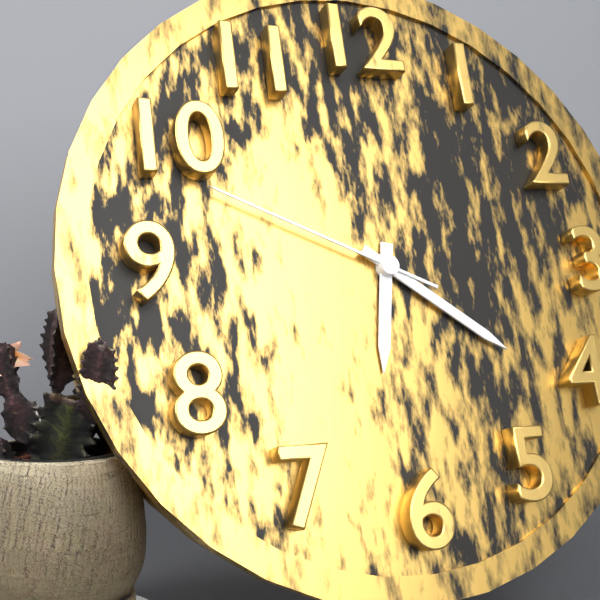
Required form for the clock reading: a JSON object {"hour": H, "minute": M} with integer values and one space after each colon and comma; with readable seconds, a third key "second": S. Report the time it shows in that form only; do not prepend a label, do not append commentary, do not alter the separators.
{"hour": 6, "minute": 21, "second": 49}
